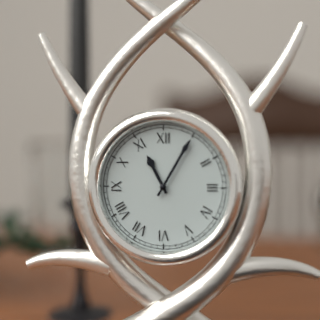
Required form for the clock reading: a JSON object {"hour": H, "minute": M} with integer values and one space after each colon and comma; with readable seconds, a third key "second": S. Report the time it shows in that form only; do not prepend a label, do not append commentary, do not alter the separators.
{"hour": 11, "minute": 5}
